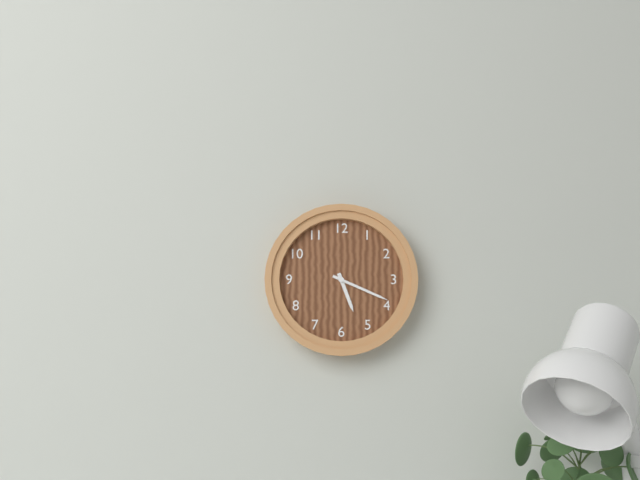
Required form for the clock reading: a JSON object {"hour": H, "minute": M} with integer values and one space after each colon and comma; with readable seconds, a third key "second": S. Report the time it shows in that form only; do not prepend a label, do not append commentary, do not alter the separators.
{"hour": 5, "minute": 19}
